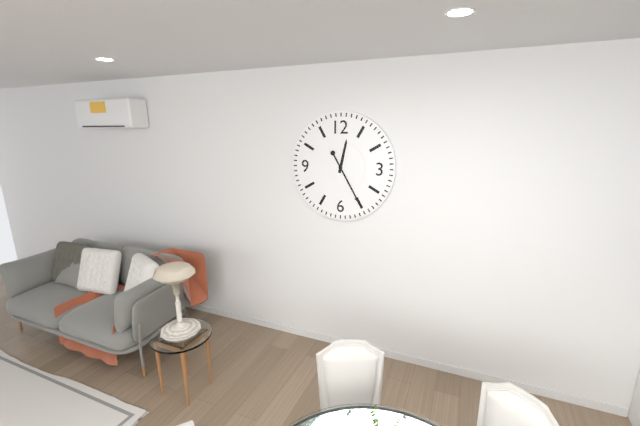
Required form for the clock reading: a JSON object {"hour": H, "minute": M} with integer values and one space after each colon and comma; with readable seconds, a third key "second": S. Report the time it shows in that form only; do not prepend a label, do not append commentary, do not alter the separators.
{"hour": 12, "minute": 25}
